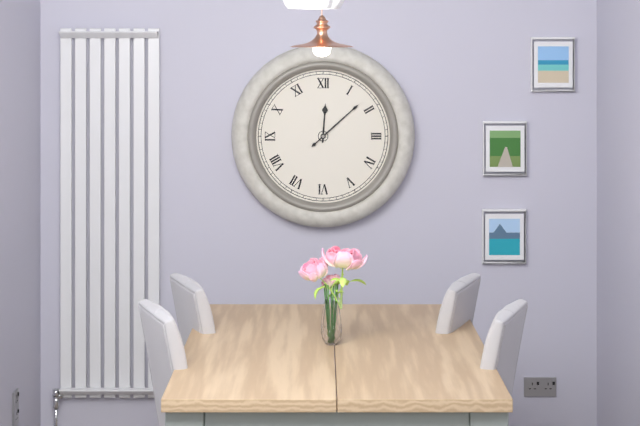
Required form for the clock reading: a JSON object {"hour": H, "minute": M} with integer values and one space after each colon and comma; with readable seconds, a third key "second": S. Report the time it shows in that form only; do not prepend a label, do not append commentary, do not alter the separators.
{"hour": 12, "minute": 8}
